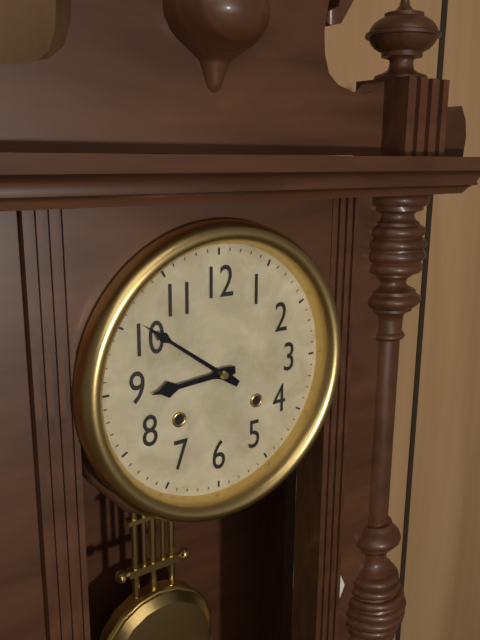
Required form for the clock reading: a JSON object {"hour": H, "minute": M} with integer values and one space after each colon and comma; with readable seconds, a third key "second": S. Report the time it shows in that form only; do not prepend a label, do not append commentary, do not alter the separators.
{"hour": 8, "minute": 51}
